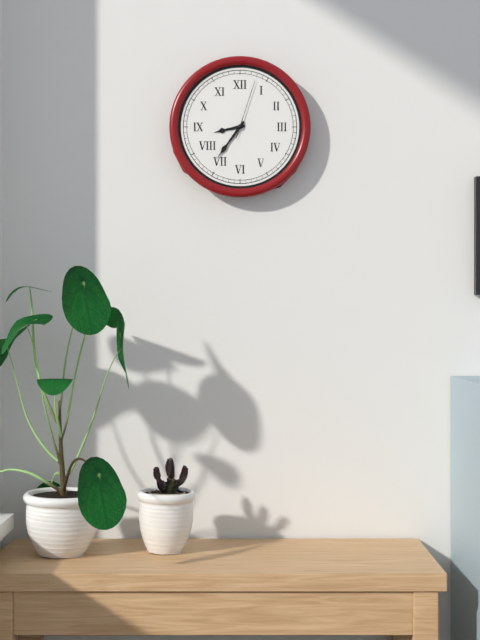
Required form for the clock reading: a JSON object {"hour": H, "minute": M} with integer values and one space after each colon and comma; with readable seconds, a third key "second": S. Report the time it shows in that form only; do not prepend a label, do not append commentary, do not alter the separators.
{"hour": 8, "minute": 36, "second": 3}
